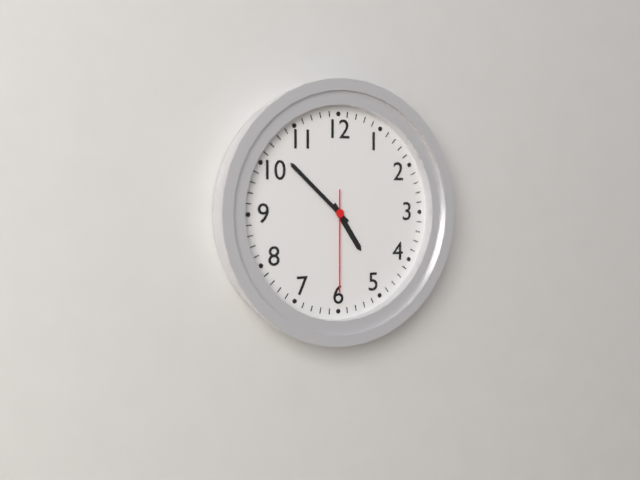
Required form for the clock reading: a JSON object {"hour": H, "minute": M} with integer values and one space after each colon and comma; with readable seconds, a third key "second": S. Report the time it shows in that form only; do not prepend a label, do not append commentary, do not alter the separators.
{"hour": 4, "minute": 52, "second": 30}
